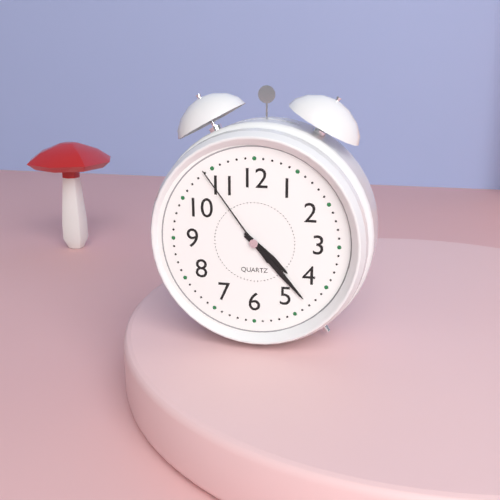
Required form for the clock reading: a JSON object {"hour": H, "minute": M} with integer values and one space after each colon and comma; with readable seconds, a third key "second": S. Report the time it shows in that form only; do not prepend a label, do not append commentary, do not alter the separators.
{"hour": 4, "minute": 23, "second": 54}
